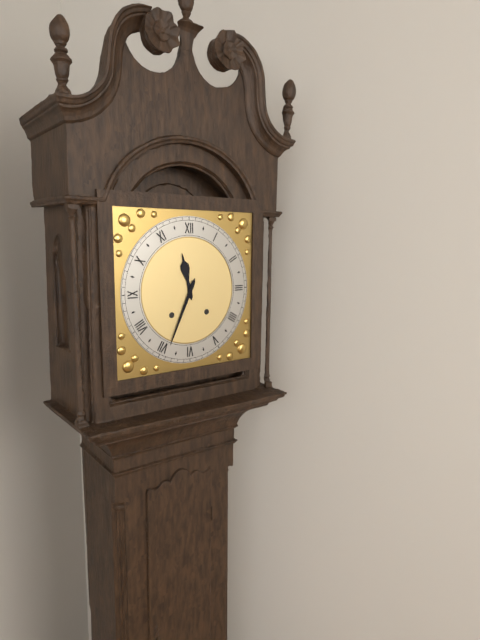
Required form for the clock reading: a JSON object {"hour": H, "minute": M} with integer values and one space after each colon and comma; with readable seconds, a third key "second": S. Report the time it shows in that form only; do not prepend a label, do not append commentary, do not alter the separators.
{"hour": 11, "minute": 34}
